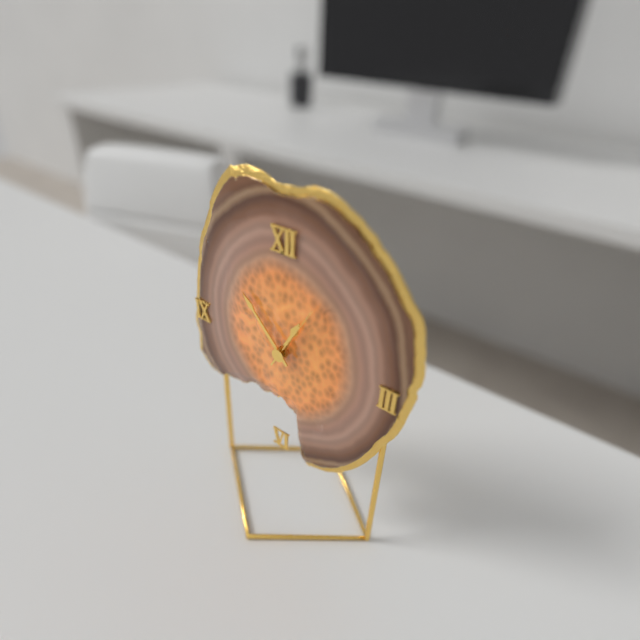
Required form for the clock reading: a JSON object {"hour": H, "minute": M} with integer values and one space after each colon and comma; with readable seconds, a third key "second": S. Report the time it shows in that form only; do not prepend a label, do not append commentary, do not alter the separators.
{"hour": 12, "minute": 53, "second": 5}
